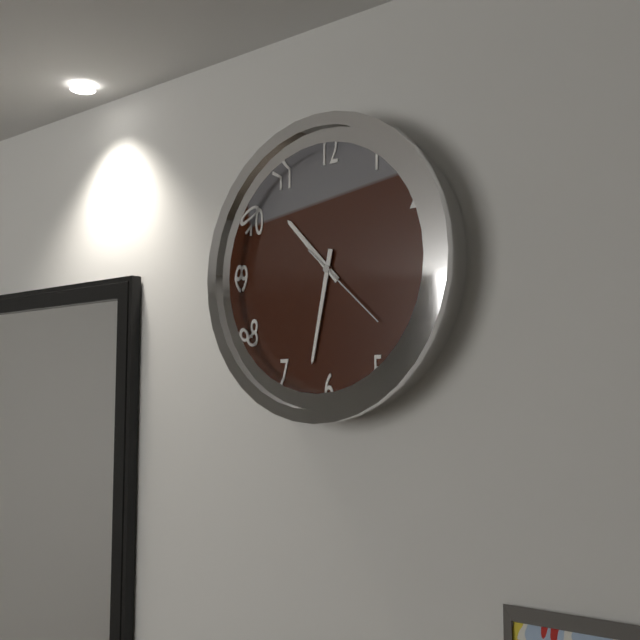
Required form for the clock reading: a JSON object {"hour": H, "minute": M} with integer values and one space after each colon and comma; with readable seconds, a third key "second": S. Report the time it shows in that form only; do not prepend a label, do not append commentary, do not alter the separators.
{"hour": 10, "minute": 32, "second": 22}
